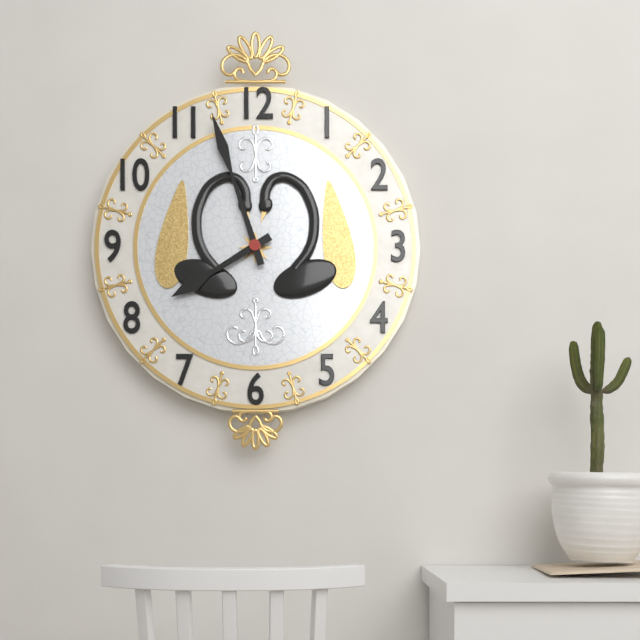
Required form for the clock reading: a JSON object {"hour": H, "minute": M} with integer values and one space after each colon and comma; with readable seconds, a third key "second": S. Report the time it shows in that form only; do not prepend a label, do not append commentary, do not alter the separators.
{"hour": 7, "minute": 57}
